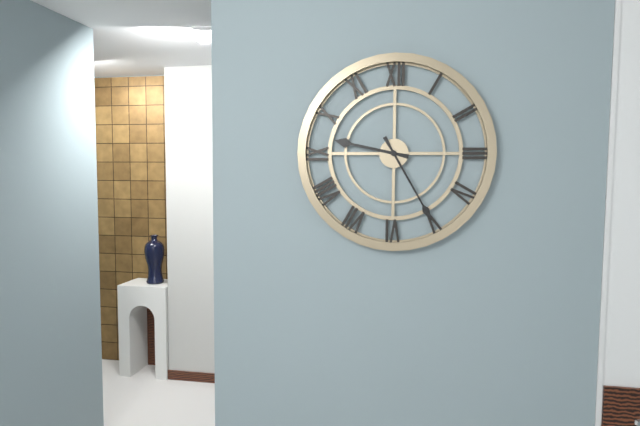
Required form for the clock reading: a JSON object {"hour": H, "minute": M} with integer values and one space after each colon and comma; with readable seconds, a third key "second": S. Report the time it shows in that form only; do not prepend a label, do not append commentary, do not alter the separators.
{"hour": 9, "minute": 25}
